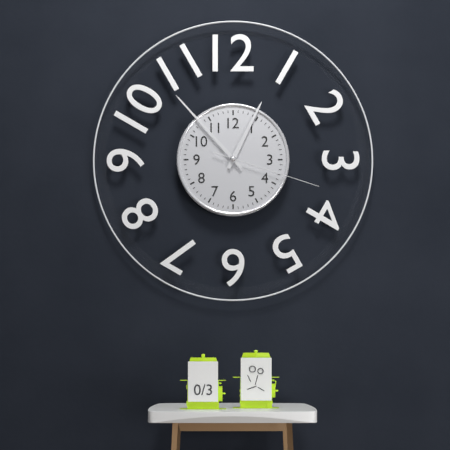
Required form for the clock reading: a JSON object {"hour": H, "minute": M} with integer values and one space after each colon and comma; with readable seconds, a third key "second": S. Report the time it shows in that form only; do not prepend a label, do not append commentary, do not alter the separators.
{"hour": 12, "minute": 53, "second": 18}
